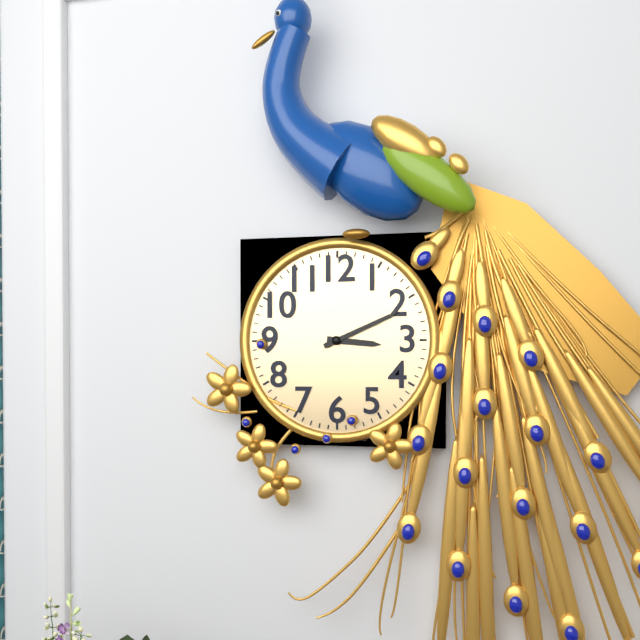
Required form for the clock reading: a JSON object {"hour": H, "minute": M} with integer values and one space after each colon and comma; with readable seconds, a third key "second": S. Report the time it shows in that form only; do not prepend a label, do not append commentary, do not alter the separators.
{"hour": 3, "minute": 11}
